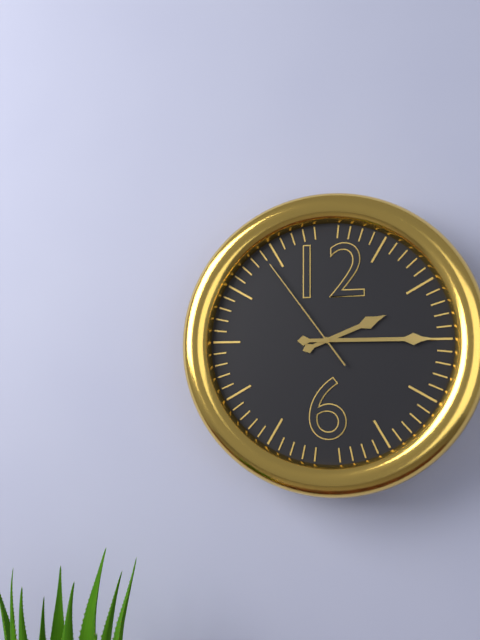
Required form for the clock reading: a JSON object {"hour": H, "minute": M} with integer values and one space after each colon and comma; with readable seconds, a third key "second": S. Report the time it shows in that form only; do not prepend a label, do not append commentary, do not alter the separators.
{"hour": 2, "minute": 15, "second": 54}
